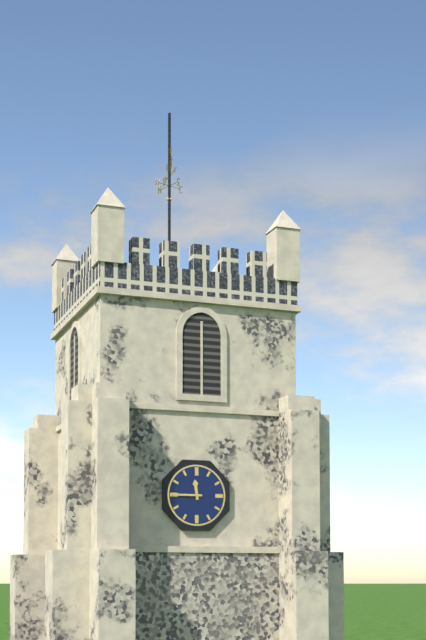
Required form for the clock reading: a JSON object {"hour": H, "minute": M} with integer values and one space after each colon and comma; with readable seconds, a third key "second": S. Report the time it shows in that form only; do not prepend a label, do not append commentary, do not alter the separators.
{"hour": 11, "minute": 45}
